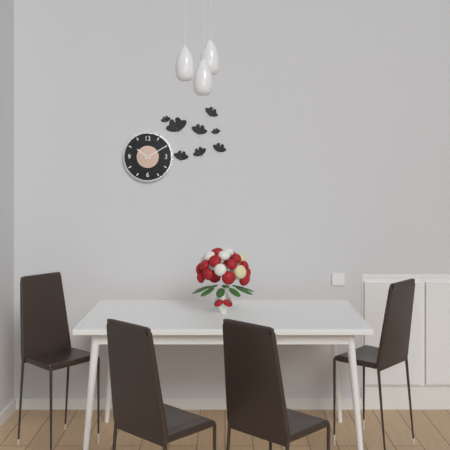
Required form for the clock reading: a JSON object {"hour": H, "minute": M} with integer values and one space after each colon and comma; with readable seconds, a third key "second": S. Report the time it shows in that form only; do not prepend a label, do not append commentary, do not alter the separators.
{"hour": 10, "minute": 10}
